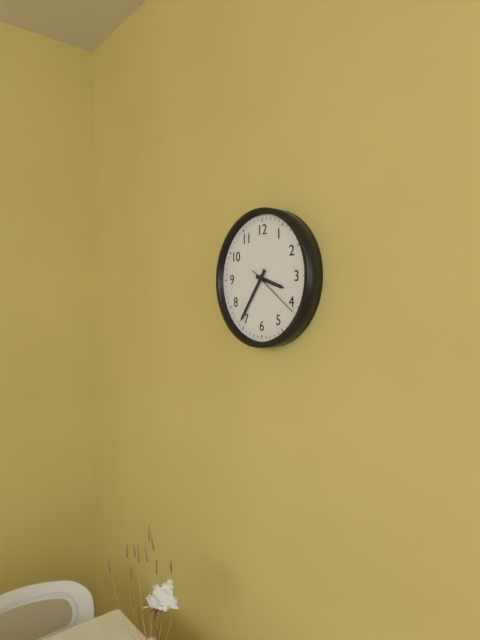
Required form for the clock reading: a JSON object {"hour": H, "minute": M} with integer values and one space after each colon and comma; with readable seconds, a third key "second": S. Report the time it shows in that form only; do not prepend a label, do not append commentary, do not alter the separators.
{"hour": 3, "minute": 36, "second": 21}
